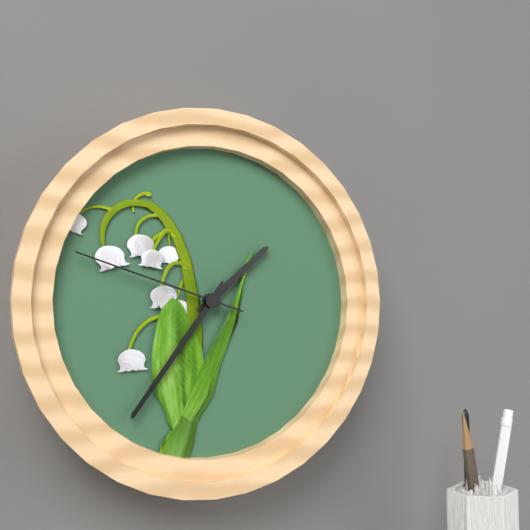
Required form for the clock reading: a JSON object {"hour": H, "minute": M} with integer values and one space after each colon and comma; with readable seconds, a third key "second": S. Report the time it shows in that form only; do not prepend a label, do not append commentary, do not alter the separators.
{"hour": 1, "minute": 36, "second": 48}
